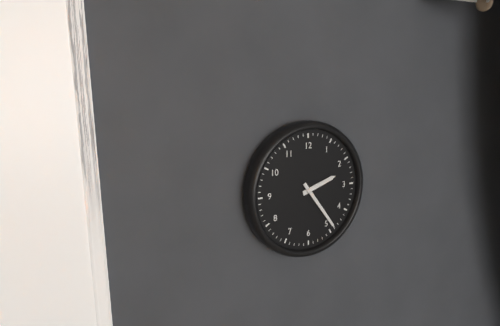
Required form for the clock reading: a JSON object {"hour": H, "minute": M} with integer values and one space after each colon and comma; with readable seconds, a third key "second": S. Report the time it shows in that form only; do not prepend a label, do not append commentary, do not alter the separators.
{"hour": 2, "minute": 24}
